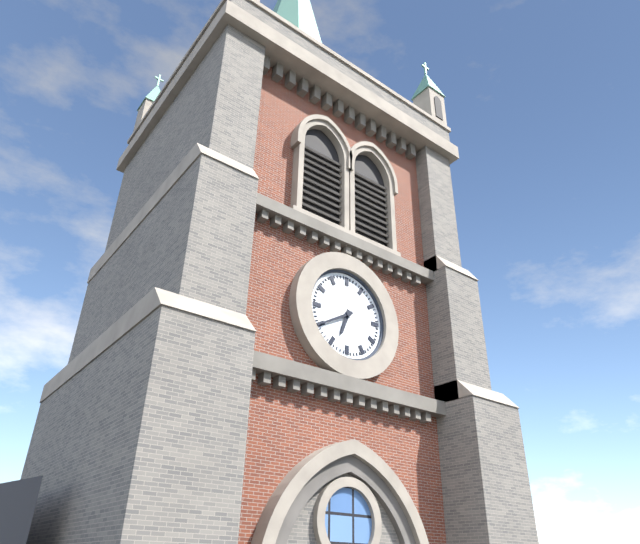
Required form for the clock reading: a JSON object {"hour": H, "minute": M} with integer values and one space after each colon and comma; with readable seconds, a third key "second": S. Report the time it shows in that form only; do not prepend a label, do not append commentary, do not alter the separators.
{"hour": 6, "minute": 40}
